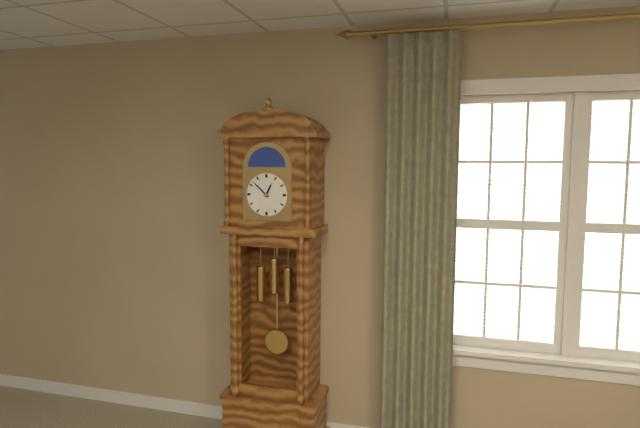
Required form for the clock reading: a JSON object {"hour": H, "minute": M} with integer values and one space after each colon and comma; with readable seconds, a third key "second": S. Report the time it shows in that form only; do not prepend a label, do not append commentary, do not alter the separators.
{"hour": 12, "minute": 52}
